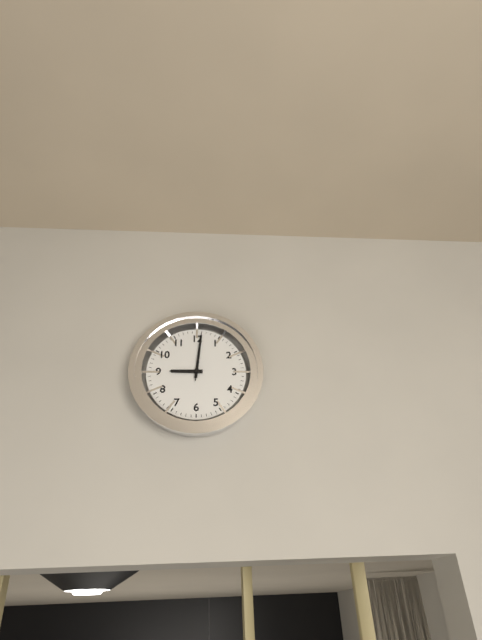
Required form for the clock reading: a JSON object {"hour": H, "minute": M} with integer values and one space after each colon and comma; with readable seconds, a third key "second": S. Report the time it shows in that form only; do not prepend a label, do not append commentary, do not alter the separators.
{"hour": 9, "minute": 1}
